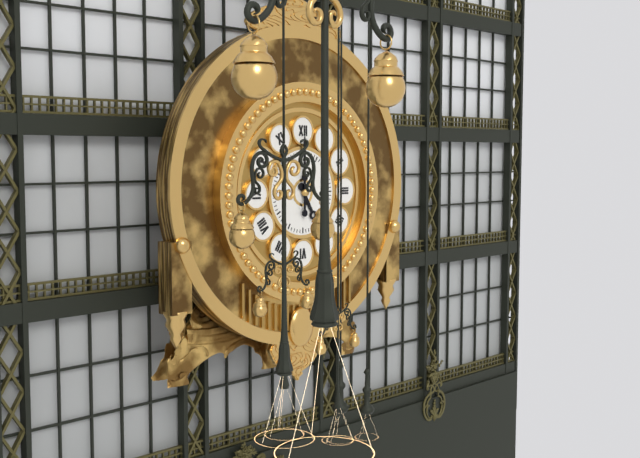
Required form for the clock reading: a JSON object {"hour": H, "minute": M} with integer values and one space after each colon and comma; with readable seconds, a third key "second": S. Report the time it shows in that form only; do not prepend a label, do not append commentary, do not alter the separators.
{"hour": 5, "minute": 0}
